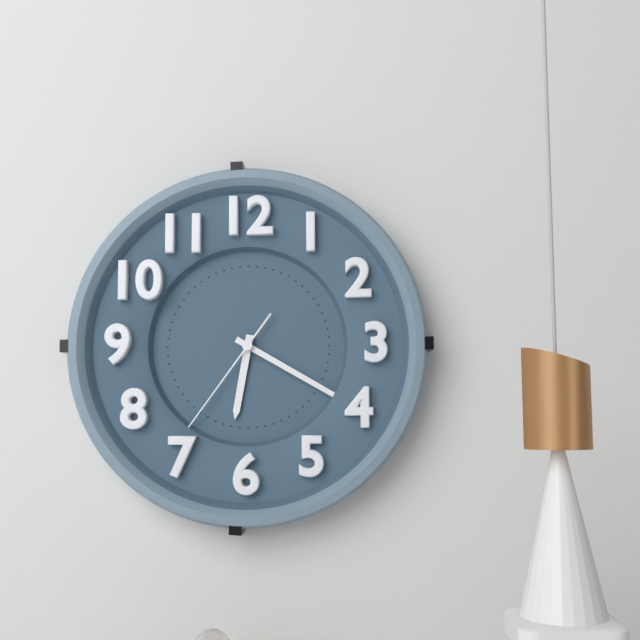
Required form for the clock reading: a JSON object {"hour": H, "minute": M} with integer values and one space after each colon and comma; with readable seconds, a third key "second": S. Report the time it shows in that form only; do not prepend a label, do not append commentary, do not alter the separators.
{"hour": 6, "minute": 20, "second": 36}
